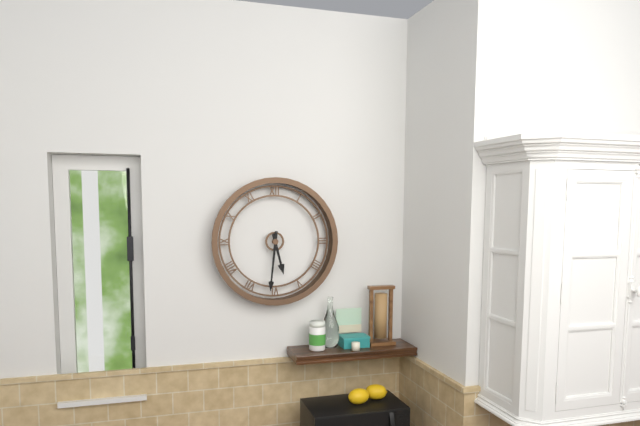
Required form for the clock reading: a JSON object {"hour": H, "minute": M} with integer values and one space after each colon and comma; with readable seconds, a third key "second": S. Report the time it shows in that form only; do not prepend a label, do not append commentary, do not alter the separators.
{"hour": 5, "minute": 31}
